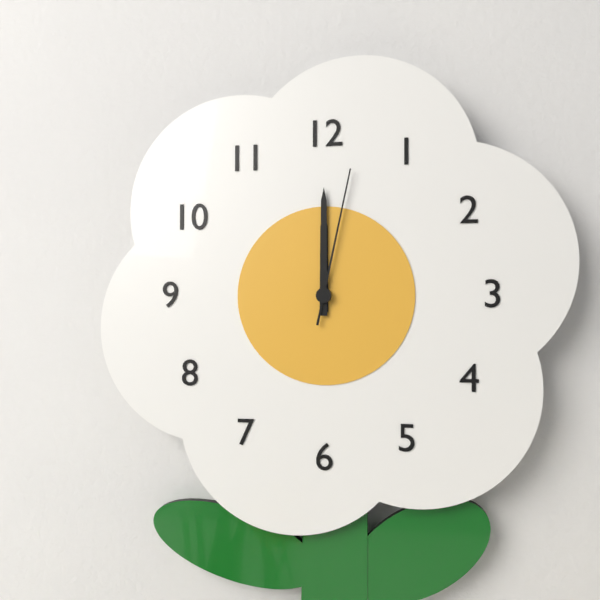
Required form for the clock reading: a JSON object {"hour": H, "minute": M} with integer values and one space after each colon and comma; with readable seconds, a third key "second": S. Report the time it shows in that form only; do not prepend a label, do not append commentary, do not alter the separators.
{"hour": 12, "minute": 0, "second": 2}
